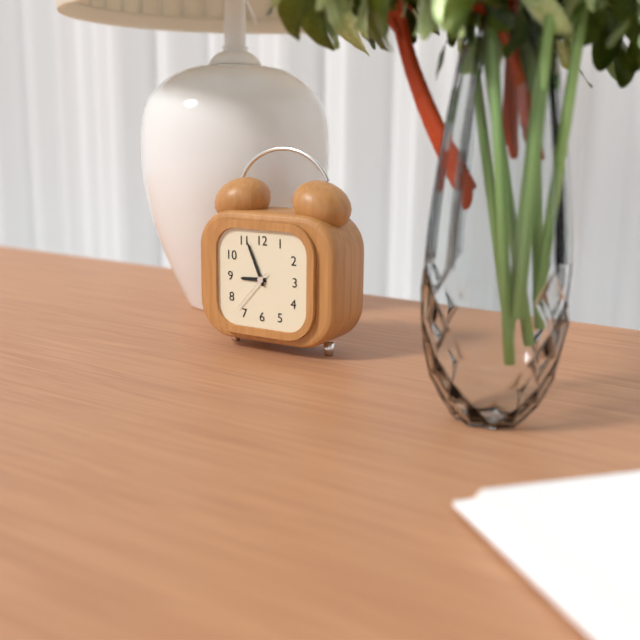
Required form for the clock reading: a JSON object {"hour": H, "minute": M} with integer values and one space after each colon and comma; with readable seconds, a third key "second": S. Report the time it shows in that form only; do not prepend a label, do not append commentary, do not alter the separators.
{"hour": 8, "minute": 56}
